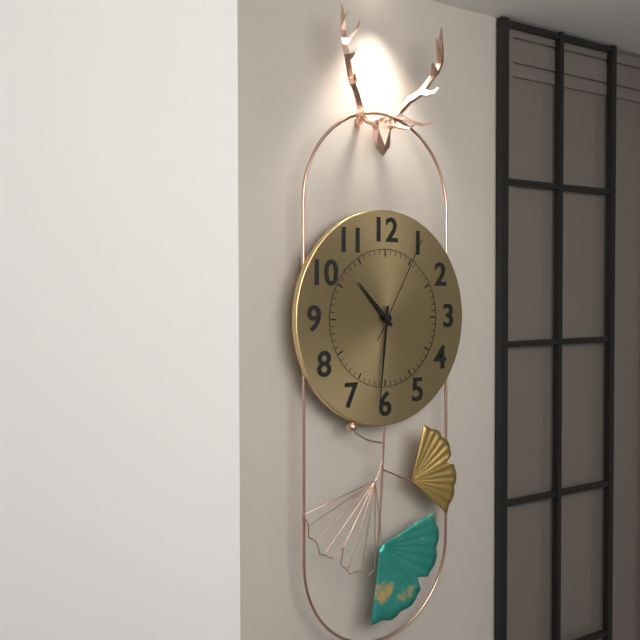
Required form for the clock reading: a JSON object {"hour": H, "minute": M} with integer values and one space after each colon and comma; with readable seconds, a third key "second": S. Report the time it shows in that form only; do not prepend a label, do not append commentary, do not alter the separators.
{"hour": 10, "minute": 31, "second": 5}
